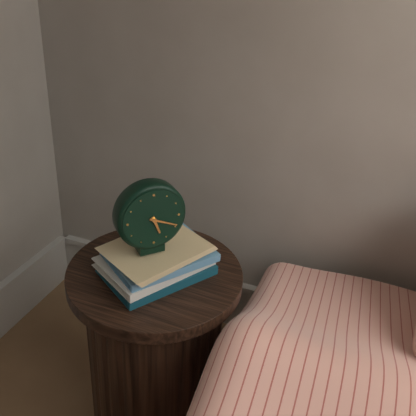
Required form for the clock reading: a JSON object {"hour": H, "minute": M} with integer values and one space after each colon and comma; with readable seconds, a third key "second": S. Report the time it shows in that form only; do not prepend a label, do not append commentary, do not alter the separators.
{"hour": 5, "minute": 19}
